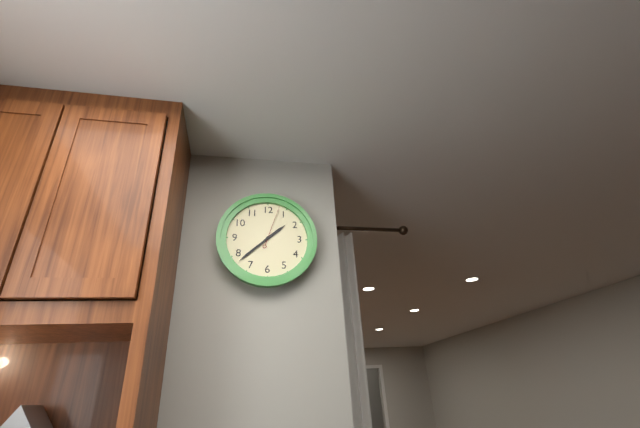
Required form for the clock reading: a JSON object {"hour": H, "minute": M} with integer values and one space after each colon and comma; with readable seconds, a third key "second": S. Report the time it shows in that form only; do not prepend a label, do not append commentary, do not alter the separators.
{"hour": 1, "minute": 38}
